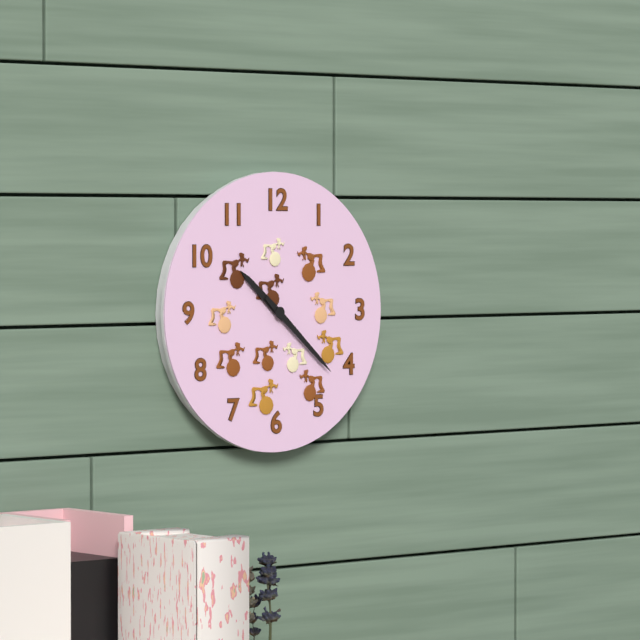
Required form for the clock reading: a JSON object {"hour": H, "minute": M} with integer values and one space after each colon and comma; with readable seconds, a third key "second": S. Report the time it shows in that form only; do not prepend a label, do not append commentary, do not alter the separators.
{"hour": 10, "minute": 22}
